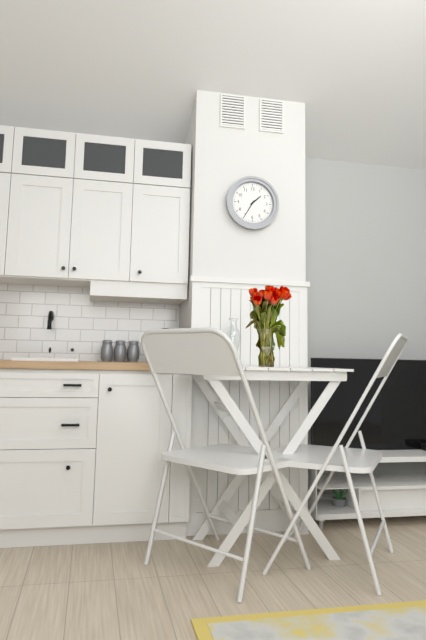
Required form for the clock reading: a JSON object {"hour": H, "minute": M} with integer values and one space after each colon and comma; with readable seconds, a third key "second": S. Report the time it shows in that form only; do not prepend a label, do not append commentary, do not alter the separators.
{"hour": 1, "minute": 35}
